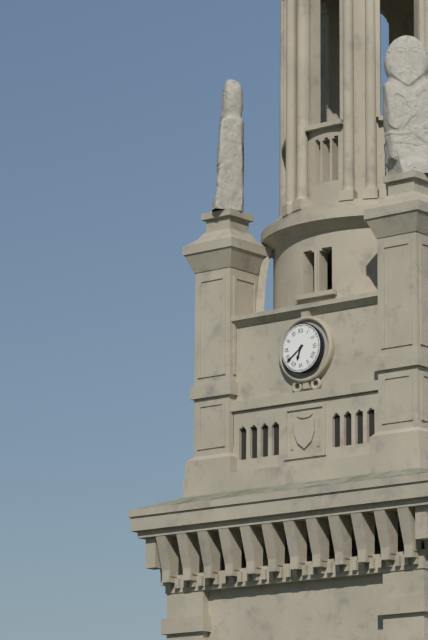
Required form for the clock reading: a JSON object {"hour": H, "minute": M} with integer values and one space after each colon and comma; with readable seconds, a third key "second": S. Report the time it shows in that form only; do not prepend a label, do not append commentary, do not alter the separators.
{"hour": 6, "minute": 39}
